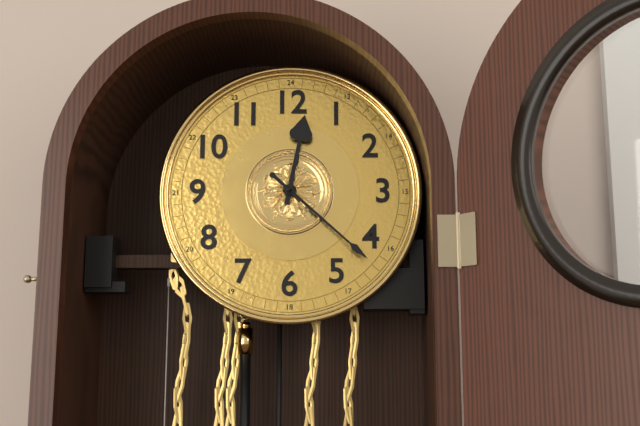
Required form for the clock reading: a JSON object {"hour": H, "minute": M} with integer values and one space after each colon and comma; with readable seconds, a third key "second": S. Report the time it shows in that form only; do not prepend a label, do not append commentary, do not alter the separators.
{"hour": 12, "minute": 22}
